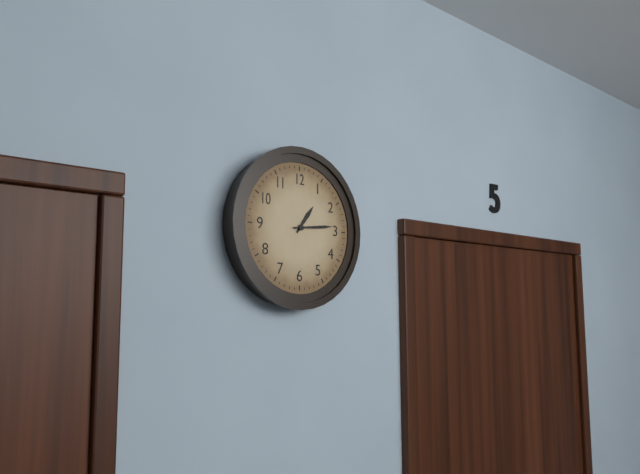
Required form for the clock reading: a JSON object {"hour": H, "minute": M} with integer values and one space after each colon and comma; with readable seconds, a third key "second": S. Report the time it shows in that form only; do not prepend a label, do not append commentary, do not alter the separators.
{"hour": 1, "minute": 14}
